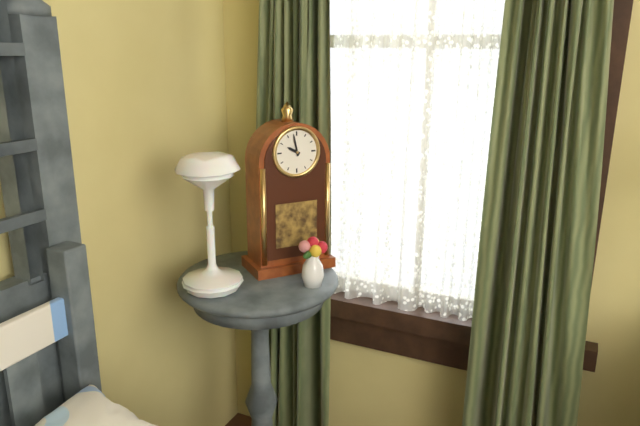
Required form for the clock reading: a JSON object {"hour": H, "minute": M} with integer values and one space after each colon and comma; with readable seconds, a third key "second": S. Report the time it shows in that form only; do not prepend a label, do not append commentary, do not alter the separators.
{"hour": 9, "minute": 58}
